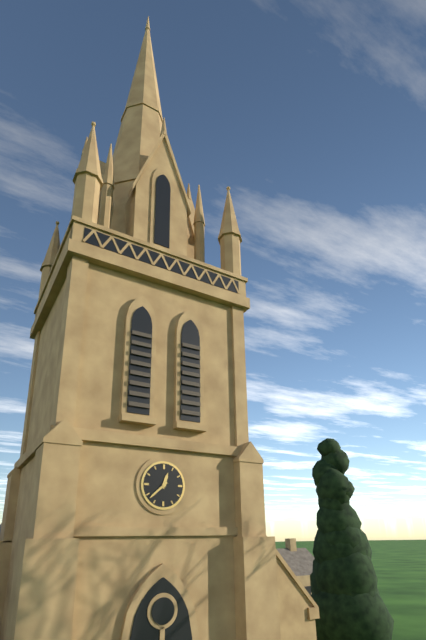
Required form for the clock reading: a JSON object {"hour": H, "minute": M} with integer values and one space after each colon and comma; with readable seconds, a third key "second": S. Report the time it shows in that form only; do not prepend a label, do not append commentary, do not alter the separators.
{"hour": 12, "minute": 38}
